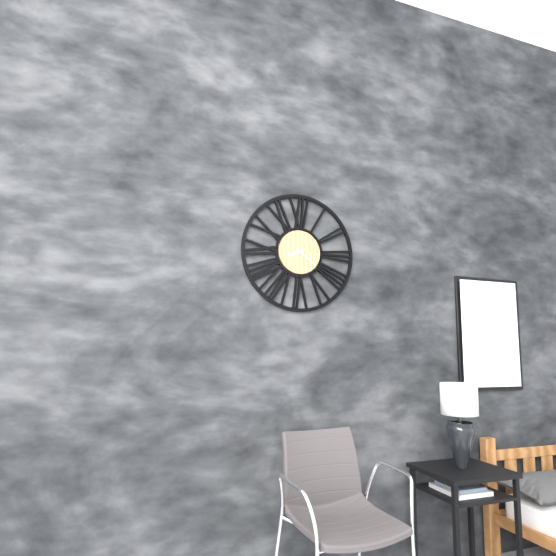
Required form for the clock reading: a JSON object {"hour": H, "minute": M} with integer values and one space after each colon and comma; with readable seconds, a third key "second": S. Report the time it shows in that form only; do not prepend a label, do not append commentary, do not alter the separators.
{"hour": 8, "minute": 21}
